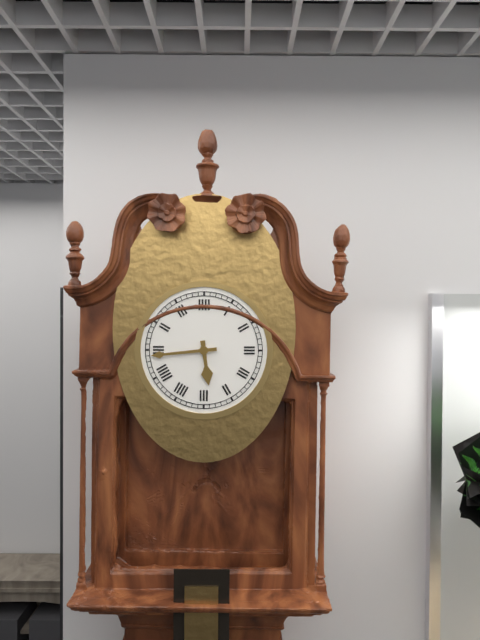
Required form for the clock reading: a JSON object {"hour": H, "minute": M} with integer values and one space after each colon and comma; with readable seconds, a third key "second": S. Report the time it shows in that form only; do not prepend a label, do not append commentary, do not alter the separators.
{"hour": 5, "minute": 44}
